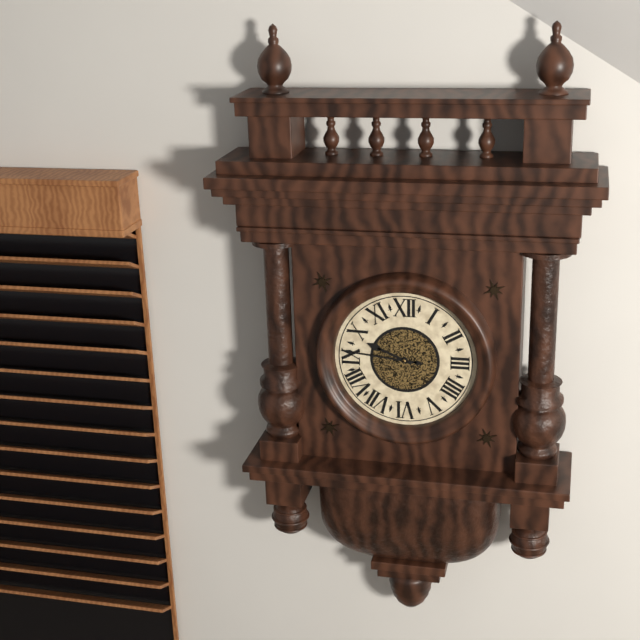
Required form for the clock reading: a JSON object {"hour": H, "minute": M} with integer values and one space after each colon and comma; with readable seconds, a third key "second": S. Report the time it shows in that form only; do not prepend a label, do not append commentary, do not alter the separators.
{"hour": 9, "minute": 46}
